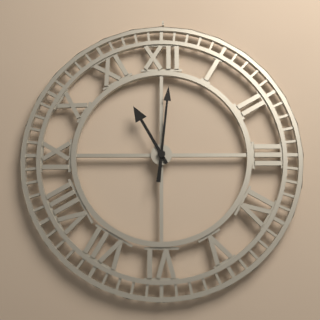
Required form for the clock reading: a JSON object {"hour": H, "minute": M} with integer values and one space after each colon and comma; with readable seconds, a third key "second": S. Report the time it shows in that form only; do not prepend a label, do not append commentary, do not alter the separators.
{"hour": 11, "minute": 1}
